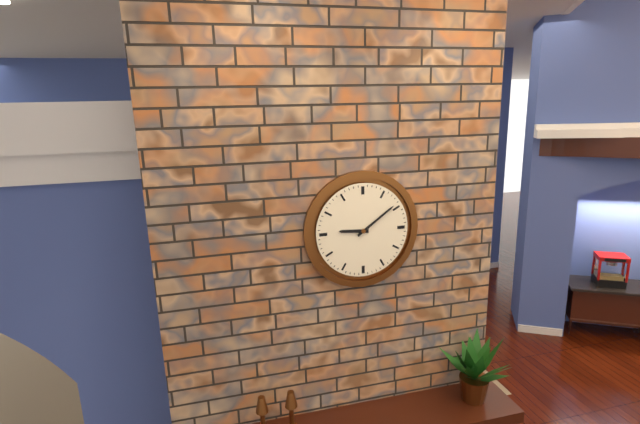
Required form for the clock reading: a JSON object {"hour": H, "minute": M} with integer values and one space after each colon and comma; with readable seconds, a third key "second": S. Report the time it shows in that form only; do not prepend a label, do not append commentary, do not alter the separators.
{"hour": 9, "minute": 9}
